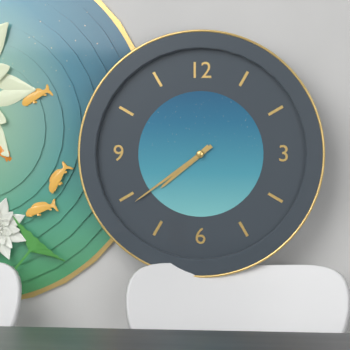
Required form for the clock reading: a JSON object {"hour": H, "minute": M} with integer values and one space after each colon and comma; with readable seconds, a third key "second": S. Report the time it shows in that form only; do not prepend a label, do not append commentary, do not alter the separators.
{"hour": 7, "minute": 39}
